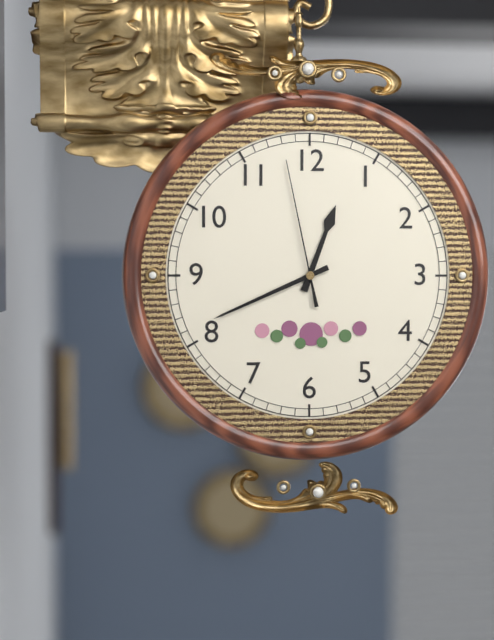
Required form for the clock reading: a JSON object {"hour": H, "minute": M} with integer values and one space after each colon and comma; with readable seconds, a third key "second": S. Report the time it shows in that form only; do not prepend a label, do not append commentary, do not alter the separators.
{"hour": 12, "minute": 41, "second": 58}
